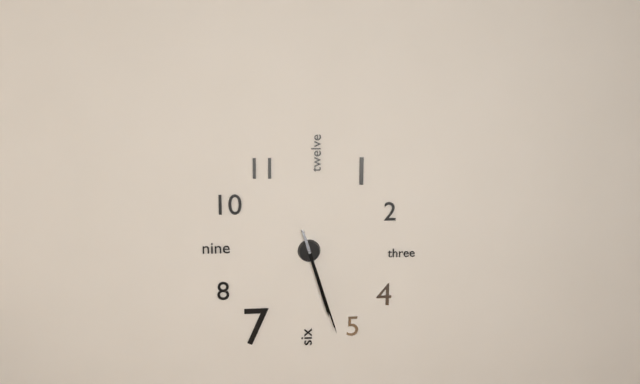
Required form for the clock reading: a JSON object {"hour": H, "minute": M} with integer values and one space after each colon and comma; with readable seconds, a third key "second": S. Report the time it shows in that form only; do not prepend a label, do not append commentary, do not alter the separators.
{"hour": 5, "minute": 27}
